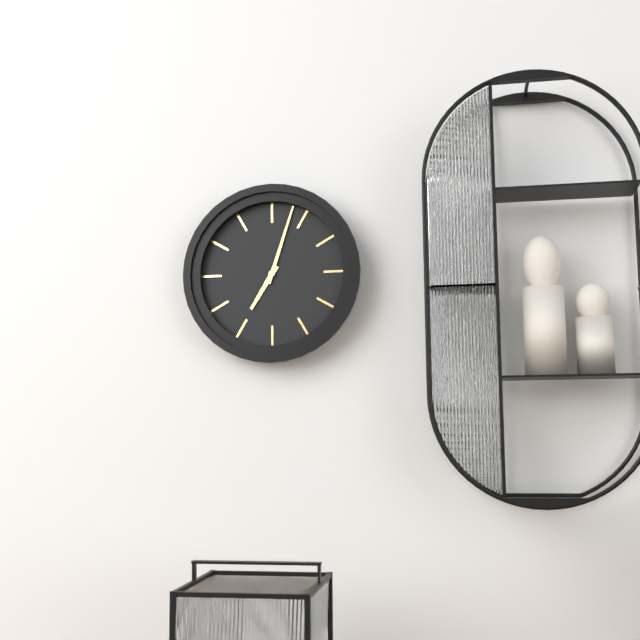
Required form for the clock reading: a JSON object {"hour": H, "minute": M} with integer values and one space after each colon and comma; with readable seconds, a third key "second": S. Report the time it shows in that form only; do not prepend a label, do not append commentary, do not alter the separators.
{"hour": 7, "minute": 3}
